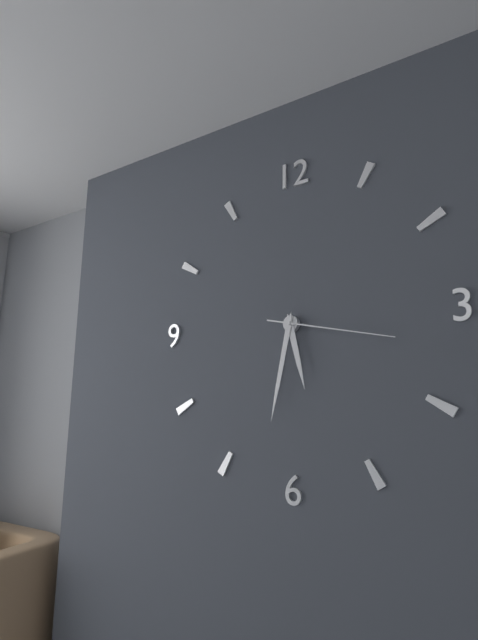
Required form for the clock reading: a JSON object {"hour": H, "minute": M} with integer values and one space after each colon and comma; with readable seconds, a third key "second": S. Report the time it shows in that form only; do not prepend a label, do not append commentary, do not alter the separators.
{"hour": 5, "minute": 32, "second": 17}
